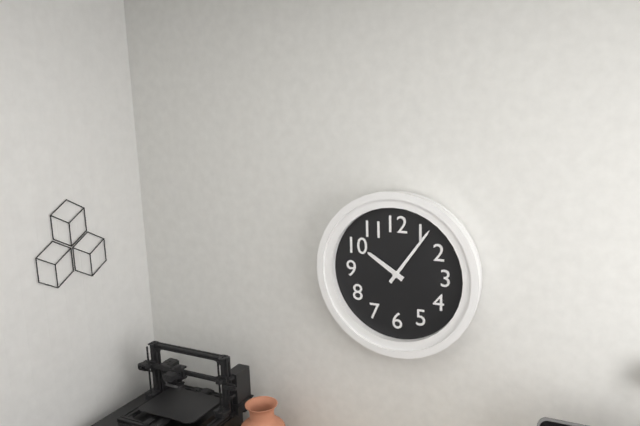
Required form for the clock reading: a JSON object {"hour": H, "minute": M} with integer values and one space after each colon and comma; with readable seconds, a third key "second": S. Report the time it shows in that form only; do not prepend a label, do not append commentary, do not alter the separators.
{"hour": 10, "minute": 6}
